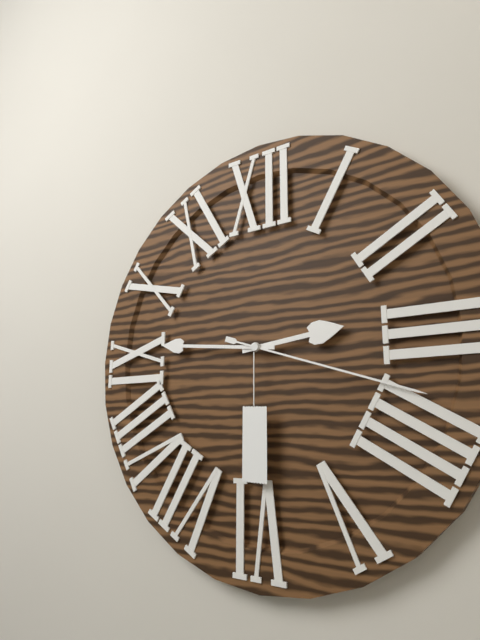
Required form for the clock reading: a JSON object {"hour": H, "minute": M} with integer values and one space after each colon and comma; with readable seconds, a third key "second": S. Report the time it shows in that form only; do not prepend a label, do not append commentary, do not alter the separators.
{"hour": 2, "minute": 46, "second": 18}
